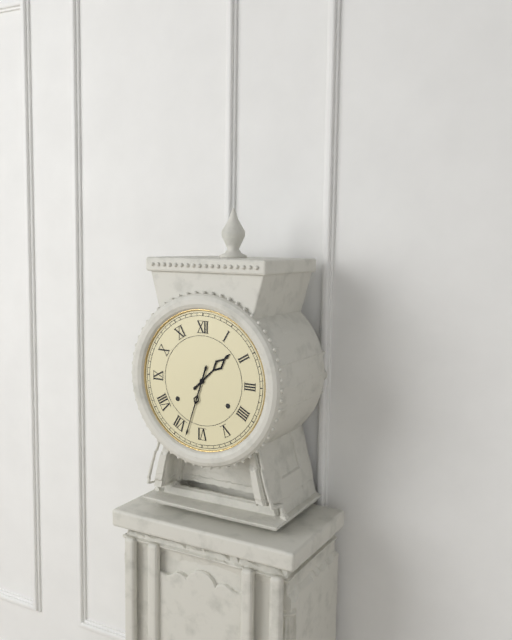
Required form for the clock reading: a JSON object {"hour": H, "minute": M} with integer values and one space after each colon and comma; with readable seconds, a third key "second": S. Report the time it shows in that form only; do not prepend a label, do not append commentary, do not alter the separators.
{"hour": 1, "minute": 33}
